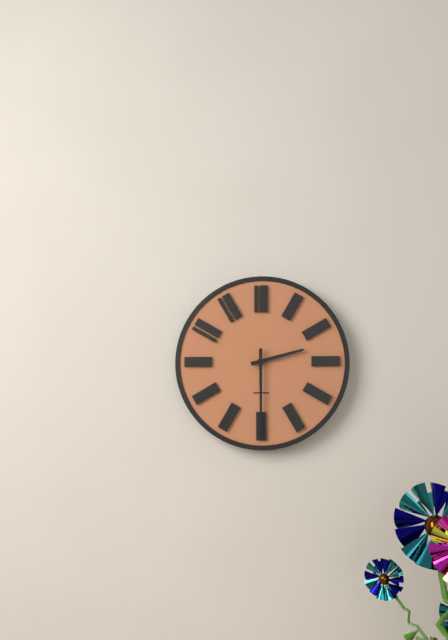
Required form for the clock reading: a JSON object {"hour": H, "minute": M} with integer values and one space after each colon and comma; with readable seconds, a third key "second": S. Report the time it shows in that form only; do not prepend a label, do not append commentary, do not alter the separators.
{"hour": 2, "minute": 30}
